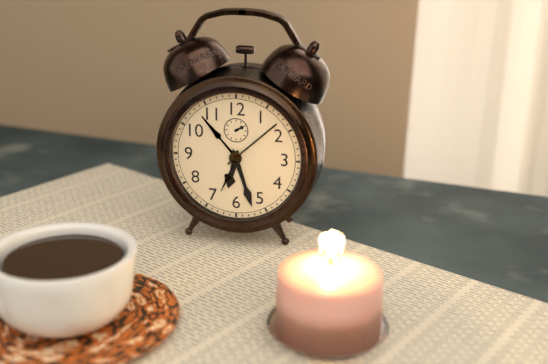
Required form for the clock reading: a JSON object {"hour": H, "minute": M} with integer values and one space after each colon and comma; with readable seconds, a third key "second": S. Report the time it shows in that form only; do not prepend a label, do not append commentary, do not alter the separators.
{"hour": 6, "minute": 27}
